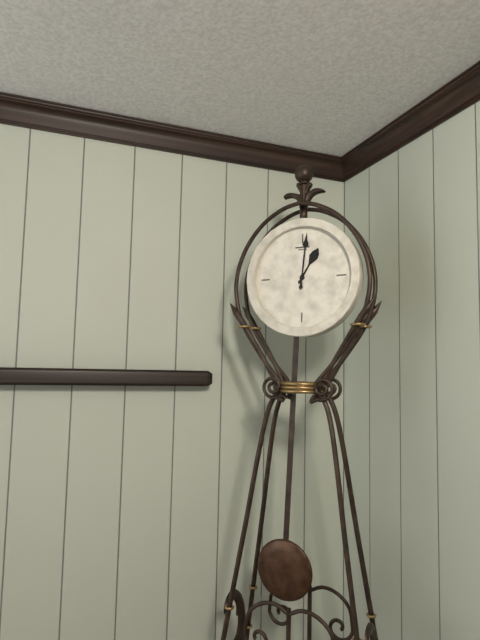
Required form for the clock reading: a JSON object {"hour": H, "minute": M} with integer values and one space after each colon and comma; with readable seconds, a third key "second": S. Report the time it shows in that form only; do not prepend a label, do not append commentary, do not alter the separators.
{"hour": 1, "minute": 1}
